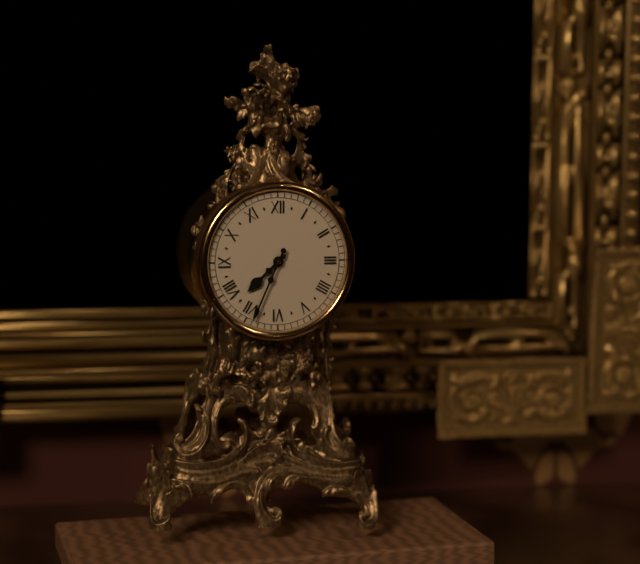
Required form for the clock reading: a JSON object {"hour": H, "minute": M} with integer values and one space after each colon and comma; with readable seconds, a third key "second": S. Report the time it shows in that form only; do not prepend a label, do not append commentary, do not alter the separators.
{"hour": 7, "minute": 34}
